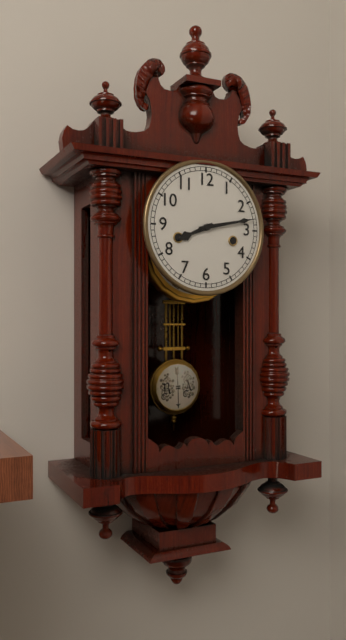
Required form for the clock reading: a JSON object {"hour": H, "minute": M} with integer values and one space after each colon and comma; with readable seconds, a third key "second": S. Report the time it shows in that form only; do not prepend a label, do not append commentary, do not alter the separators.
{"hour": 8, "minute": 13}
